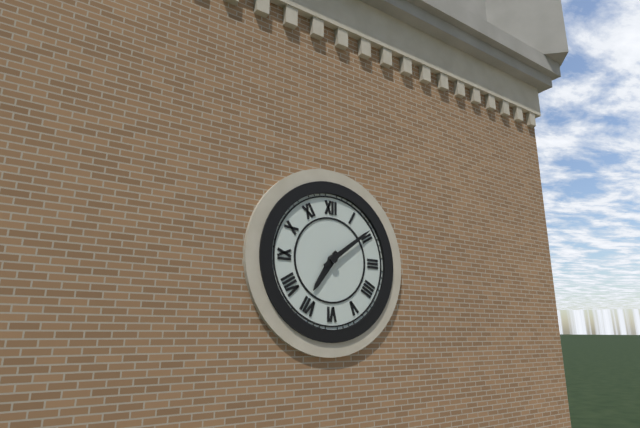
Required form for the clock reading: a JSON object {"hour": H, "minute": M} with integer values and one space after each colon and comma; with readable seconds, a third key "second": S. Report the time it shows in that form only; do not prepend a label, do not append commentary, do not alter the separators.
{"hour": 7, "minute": 9}
